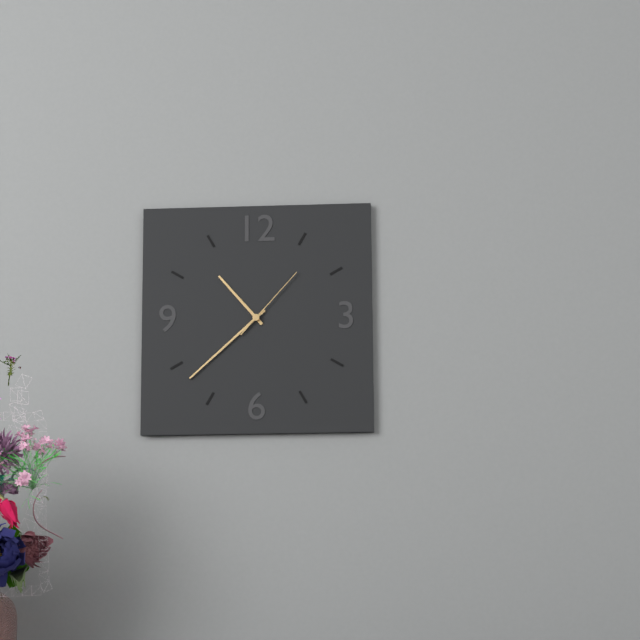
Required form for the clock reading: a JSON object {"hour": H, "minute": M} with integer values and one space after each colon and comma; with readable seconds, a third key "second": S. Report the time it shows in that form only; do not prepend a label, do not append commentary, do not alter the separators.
{"hour": 10, "minute": 38, "second": 7}
